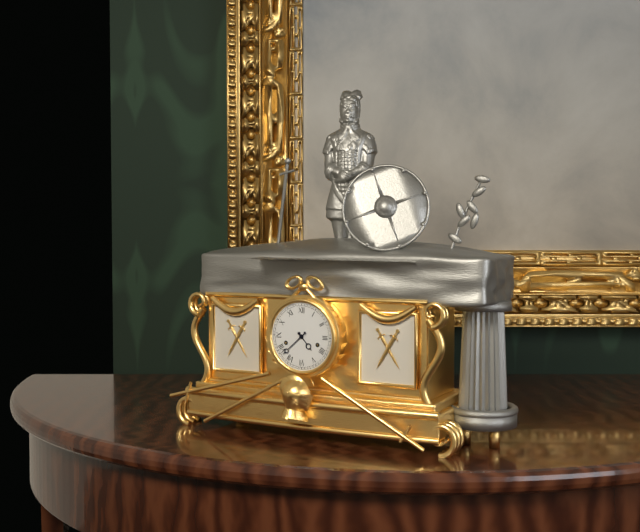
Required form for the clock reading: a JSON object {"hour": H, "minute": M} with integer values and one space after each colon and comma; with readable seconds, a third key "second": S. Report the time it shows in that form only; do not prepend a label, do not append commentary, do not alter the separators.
{"hour": 4, "minute": 38}
